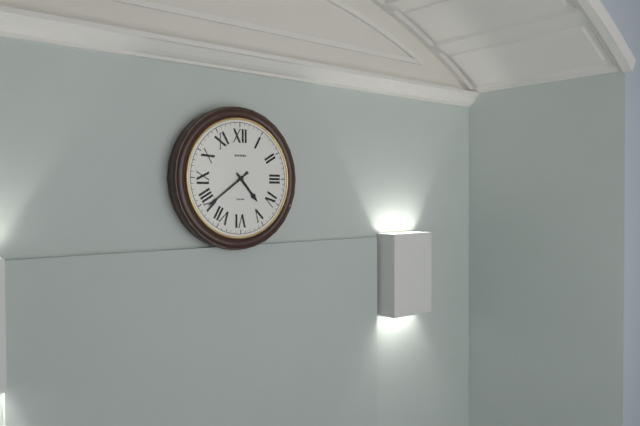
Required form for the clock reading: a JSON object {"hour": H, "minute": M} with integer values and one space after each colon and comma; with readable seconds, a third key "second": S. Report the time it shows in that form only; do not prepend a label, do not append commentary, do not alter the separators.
{"hour": 4, "minute": 39}
